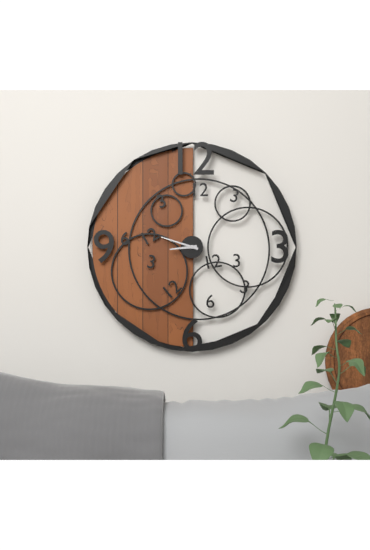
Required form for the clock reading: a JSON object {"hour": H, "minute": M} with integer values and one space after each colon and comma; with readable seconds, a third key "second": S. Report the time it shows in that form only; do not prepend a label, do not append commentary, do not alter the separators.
{"hour": 8, "minute": 48}
